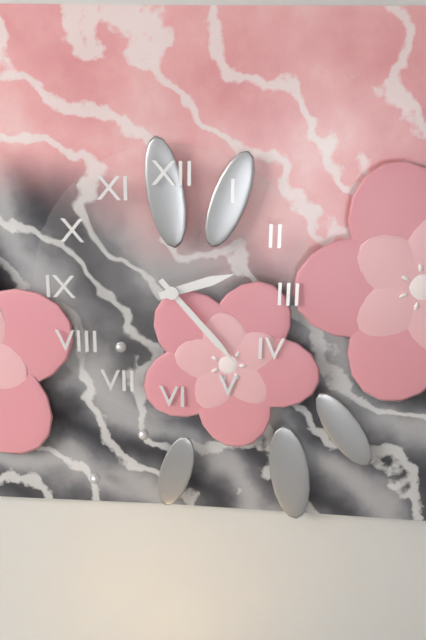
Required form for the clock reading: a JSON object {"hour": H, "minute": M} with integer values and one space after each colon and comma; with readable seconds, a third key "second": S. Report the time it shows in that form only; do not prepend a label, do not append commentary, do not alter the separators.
{"hour": 2, "minute": 23}
